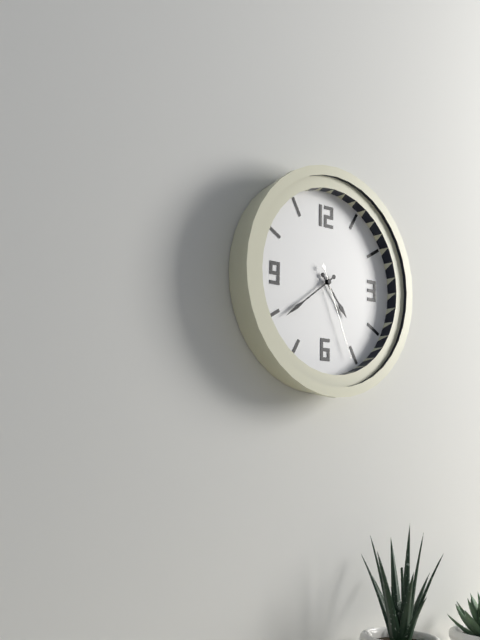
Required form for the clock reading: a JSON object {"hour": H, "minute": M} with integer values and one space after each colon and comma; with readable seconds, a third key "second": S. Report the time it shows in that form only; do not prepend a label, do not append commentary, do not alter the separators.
{"hour": 4, "minute": 39, "second": 26}
